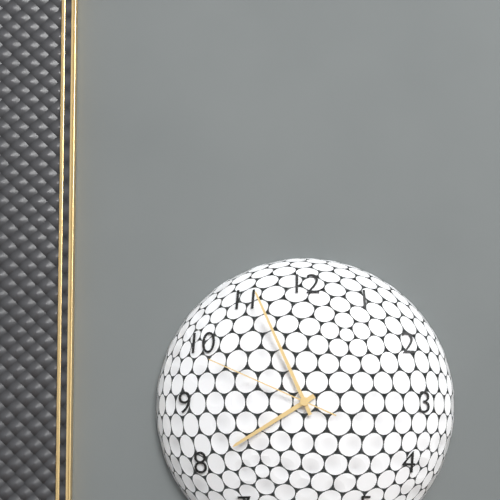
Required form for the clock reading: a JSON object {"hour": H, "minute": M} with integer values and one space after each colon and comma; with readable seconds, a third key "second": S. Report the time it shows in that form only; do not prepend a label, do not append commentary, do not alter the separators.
{"hour": 7, "minute": 56, "second": 49}
